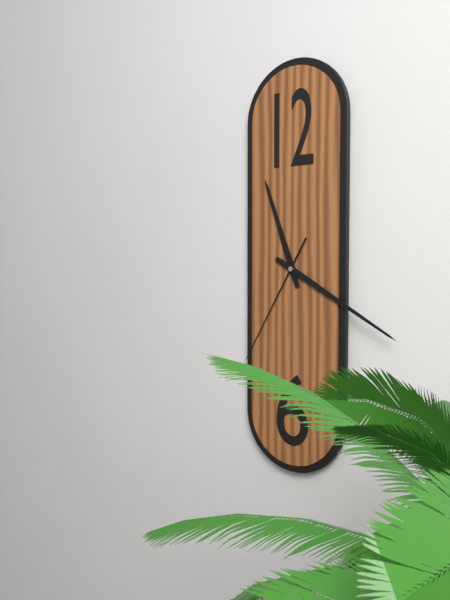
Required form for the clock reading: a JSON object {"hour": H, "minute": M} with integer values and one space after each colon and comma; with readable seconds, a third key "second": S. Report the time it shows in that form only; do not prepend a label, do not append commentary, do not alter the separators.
{"hour": 11, "minute": 20, "second": 35}
